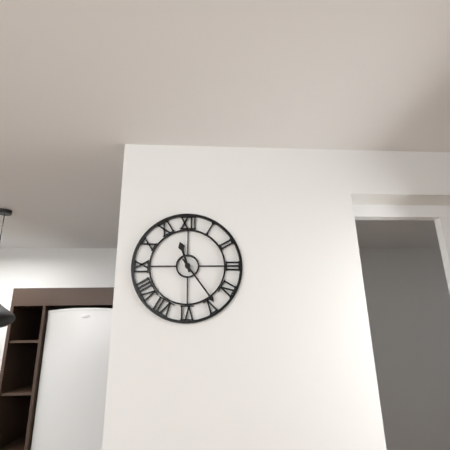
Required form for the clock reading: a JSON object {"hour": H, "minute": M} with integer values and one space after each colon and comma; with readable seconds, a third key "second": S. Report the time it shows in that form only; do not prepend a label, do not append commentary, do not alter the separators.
{"hour": 11, "minute": 24}
